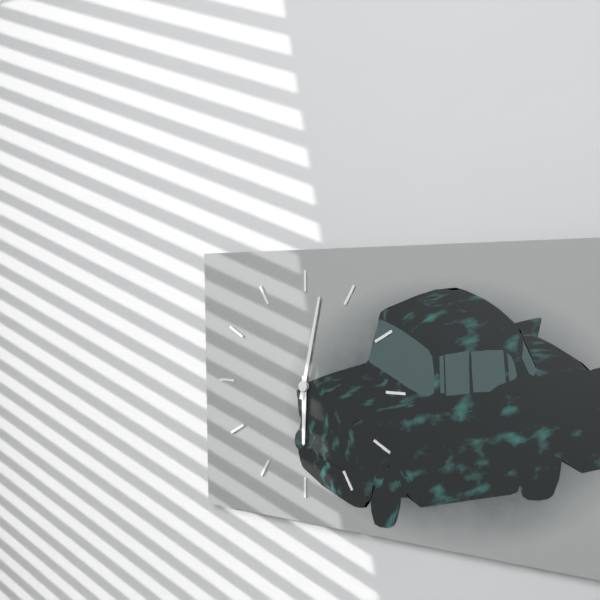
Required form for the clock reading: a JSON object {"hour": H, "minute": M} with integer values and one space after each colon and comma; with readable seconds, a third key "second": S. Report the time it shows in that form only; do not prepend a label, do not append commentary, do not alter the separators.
{"hour": 6, "minute": 2}
